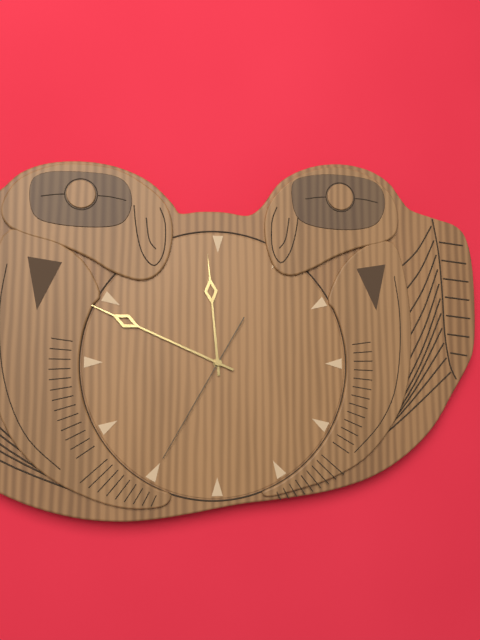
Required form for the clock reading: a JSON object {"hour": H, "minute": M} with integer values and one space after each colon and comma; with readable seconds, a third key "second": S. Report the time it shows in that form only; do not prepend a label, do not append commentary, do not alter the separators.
{"hour": 11, "minute": 49, "second": 35}
